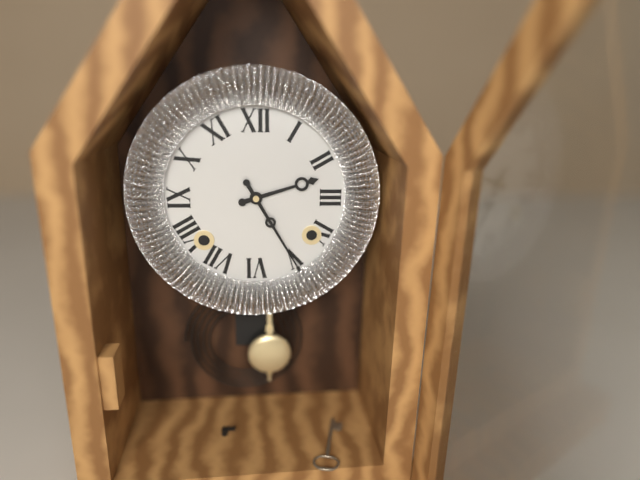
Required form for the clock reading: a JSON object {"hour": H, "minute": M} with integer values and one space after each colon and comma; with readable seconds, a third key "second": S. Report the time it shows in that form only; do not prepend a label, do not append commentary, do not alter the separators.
{"hour": 2, "minute": 25}
